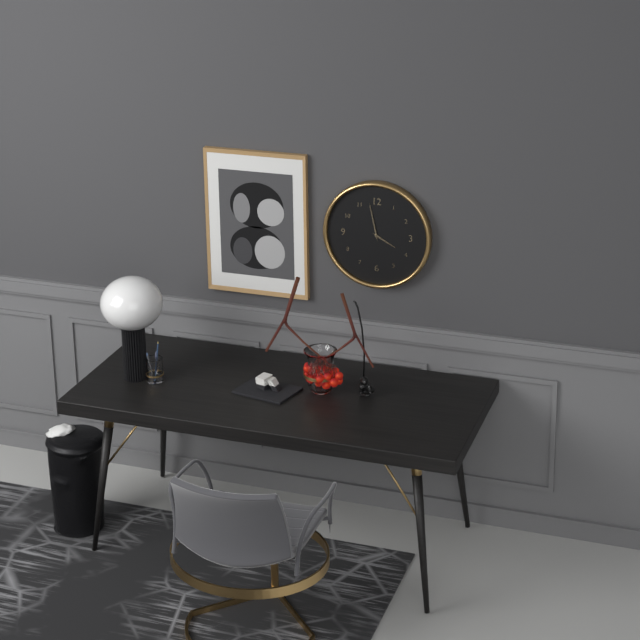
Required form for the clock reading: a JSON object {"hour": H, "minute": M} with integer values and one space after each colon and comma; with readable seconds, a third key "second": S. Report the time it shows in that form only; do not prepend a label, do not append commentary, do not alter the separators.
{"hour": 3, "minute": 58}
